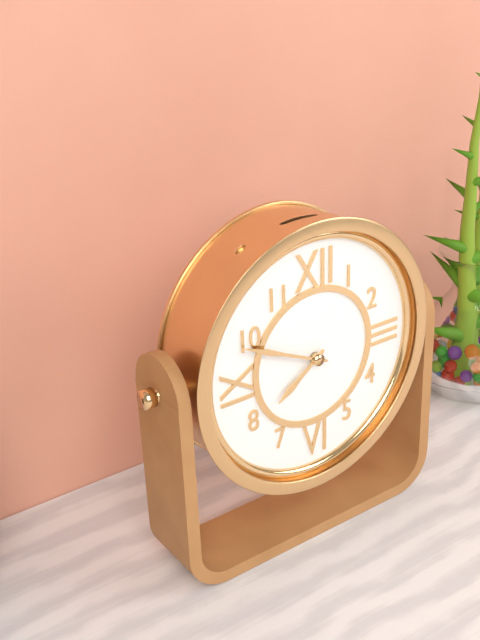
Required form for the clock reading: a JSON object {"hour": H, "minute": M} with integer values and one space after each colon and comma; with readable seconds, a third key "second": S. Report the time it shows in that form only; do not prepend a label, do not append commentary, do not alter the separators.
{"hour": 7, "minute": 49}
